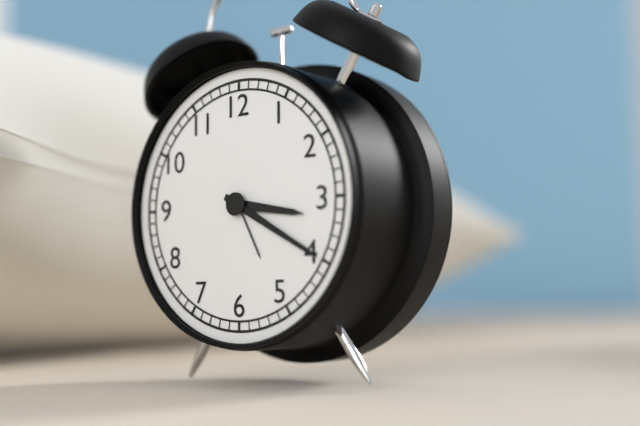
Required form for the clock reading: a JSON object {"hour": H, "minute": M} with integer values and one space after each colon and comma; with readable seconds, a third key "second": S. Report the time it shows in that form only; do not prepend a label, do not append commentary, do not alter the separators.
{"hour": 3, "minute": 20}
